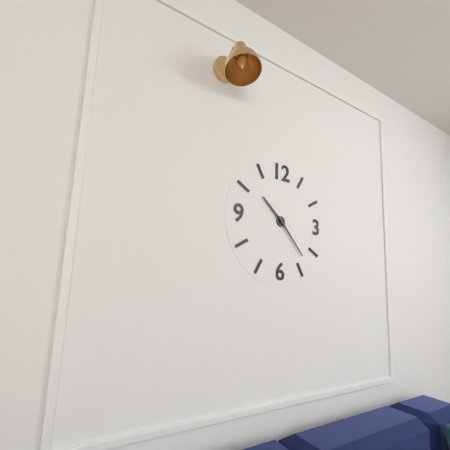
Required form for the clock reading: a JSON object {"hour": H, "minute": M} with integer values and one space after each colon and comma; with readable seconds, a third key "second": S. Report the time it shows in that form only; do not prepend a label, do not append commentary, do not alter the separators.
{"hour": 10, "minute": 23}
